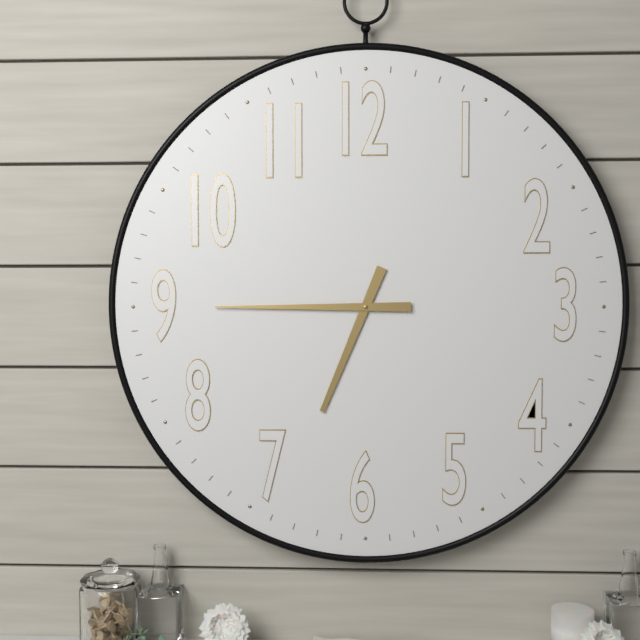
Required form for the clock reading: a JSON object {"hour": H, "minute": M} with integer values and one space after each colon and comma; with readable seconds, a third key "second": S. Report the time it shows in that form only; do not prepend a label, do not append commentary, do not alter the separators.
{"hour": 6, "minute": 45}
